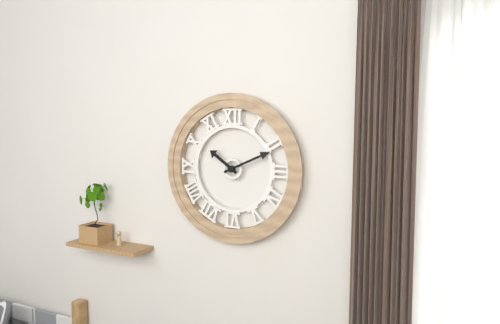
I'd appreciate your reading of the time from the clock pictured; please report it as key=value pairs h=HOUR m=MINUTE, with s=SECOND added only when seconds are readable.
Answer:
h=10 m=11
